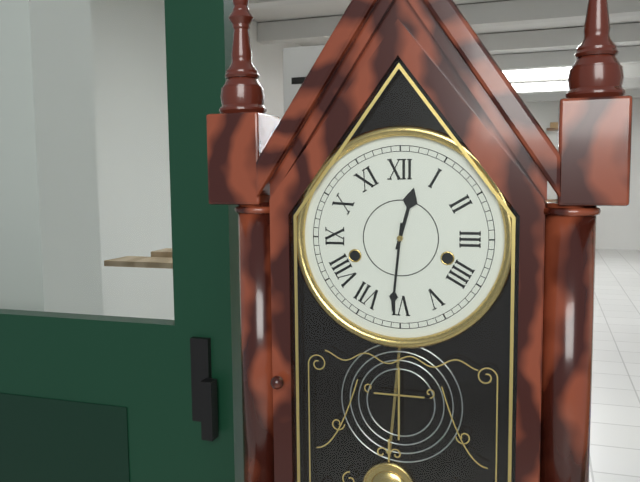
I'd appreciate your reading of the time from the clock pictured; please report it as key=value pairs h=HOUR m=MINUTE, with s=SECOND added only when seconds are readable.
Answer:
h=12 m=31
